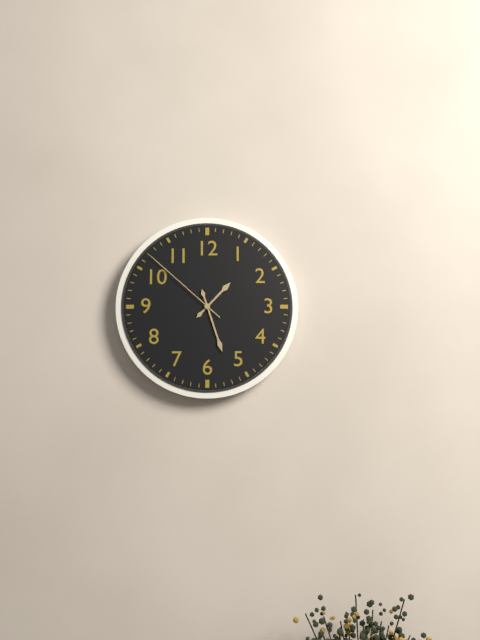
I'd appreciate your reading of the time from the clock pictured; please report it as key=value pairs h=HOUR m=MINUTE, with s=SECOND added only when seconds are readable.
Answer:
h=1 m=27 s=52
